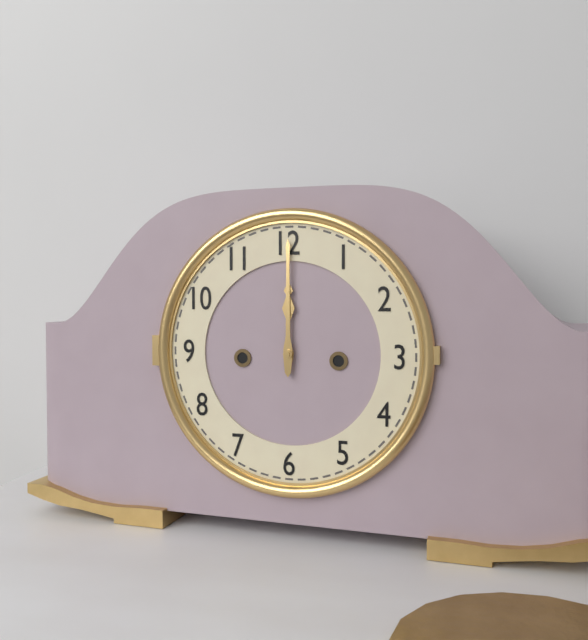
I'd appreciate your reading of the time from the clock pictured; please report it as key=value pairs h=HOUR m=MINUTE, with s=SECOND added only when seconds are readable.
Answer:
h=12 m=0
